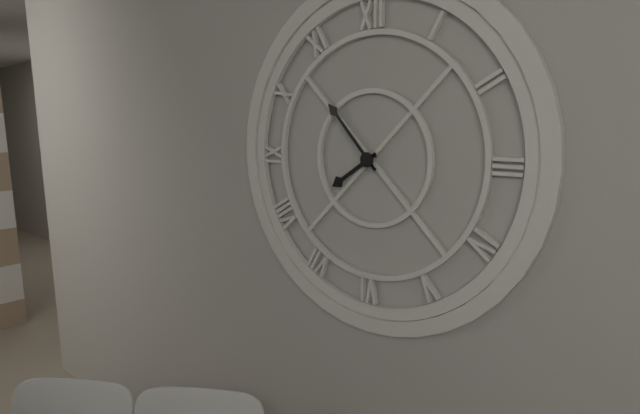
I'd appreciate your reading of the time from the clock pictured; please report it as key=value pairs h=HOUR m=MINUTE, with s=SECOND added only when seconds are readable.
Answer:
h=7 m=53
